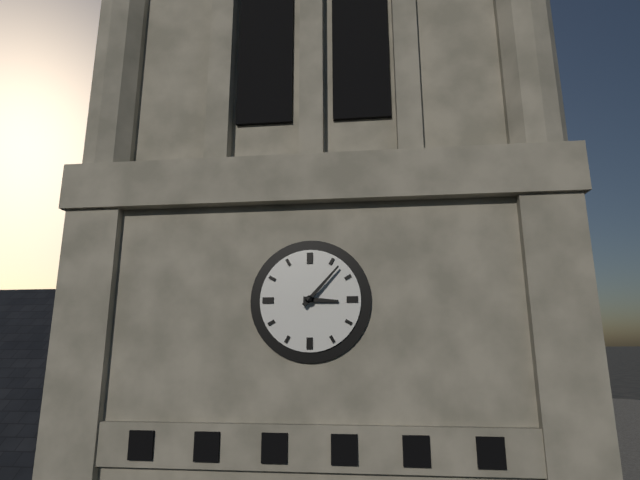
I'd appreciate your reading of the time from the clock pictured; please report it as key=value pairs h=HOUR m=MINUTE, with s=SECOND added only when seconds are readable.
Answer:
h=3 m=7
